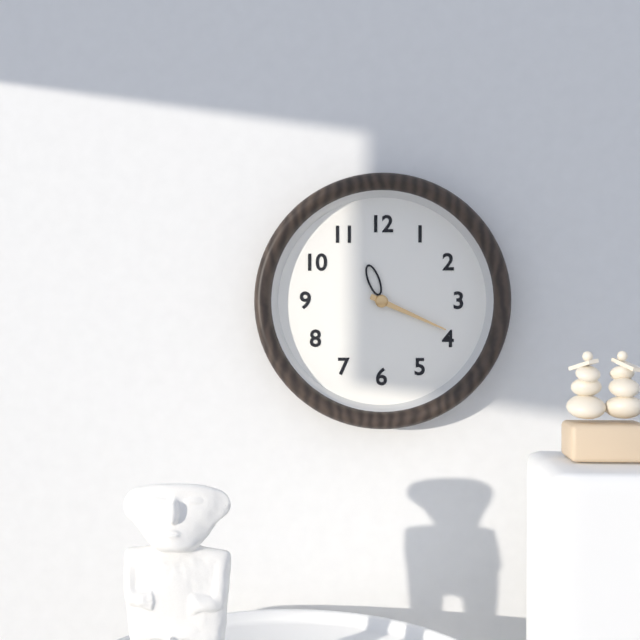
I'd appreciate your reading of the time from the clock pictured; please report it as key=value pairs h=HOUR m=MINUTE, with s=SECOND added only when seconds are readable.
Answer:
h=11 m=19
